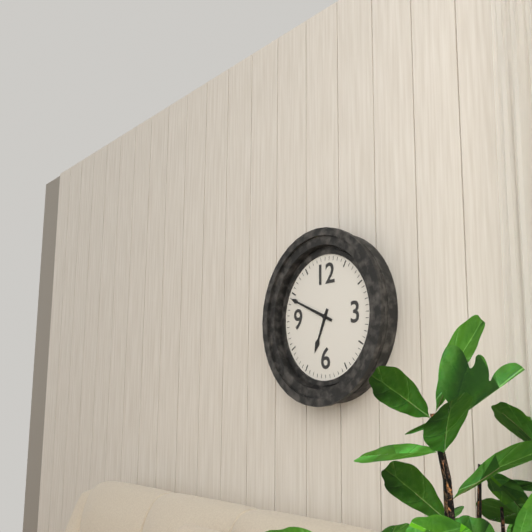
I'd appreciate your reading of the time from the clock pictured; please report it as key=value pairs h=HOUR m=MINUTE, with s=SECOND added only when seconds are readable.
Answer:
h=6 m=49
